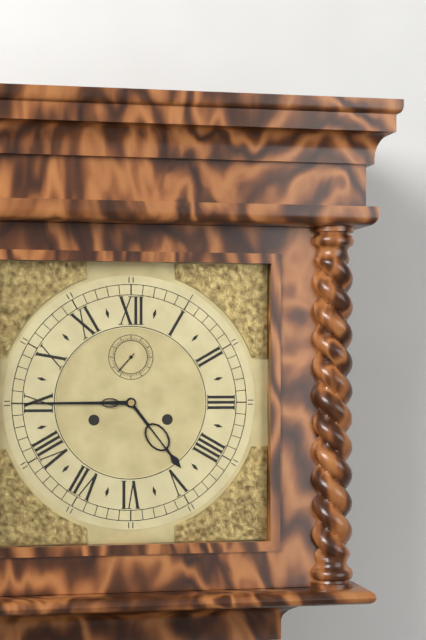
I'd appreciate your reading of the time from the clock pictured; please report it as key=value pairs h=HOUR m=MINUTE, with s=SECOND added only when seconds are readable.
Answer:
h=4 m=45
